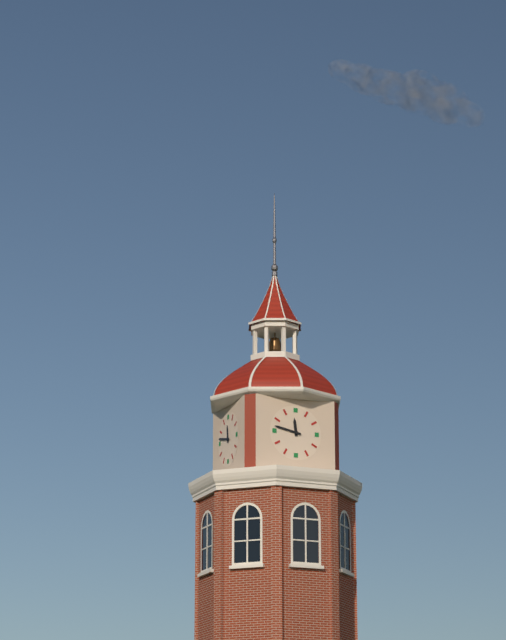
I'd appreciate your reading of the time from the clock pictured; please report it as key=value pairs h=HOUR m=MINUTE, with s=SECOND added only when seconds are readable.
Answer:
h=11 m=47
